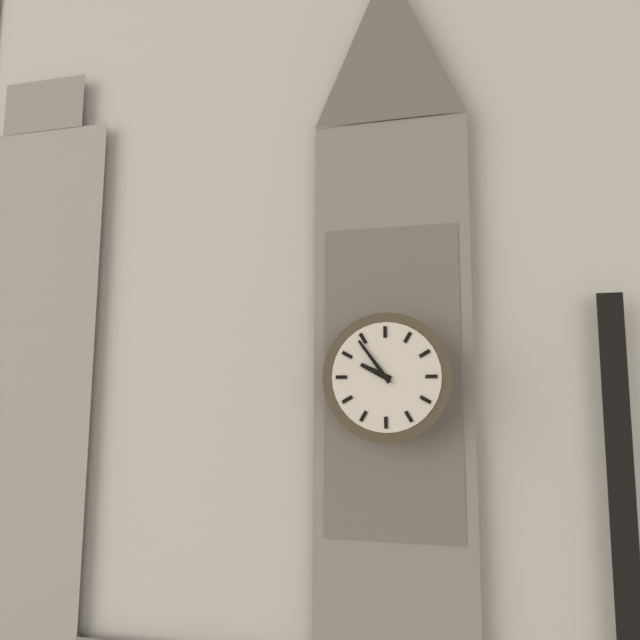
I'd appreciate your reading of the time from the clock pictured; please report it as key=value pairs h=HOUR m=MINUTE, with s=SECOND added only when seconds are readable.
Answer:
h=9 m=54
